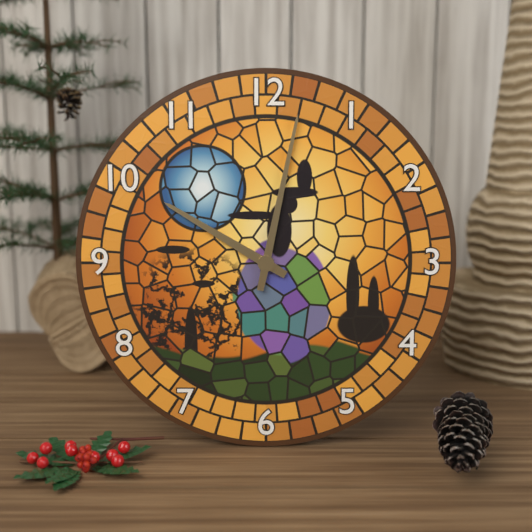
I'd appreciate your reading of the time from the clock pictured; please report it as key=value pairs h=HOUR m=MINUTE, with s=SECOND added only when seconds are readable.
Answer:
h=10 m=2
